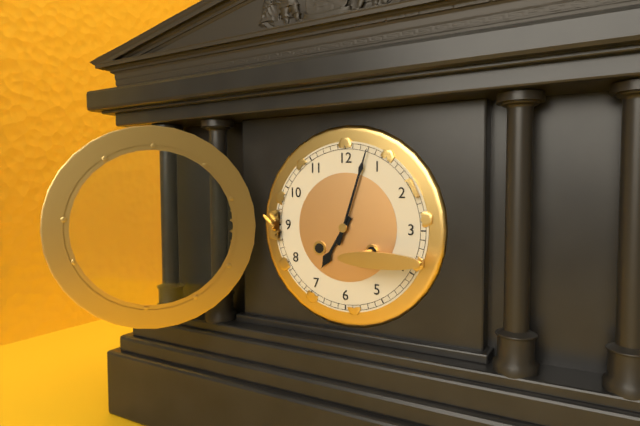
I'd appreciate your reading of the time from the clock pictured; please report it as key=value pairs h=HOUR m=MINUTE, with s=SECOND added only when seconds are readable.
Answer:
h=7 m=3
